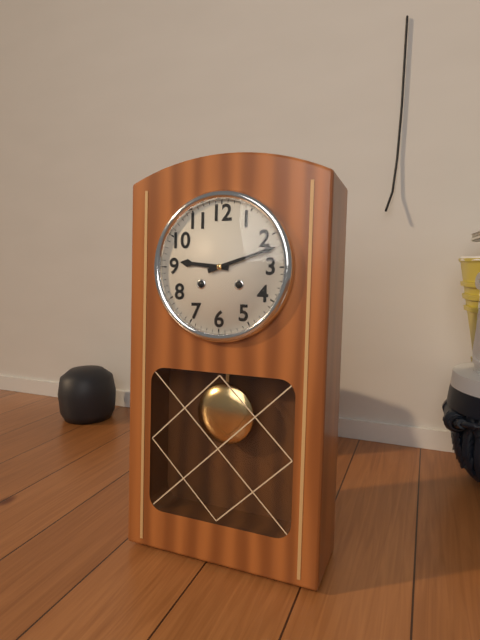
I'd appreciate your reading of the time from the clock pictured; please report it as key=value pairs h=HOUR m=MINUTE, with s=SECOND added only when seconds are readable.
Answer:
h=9 m=12
